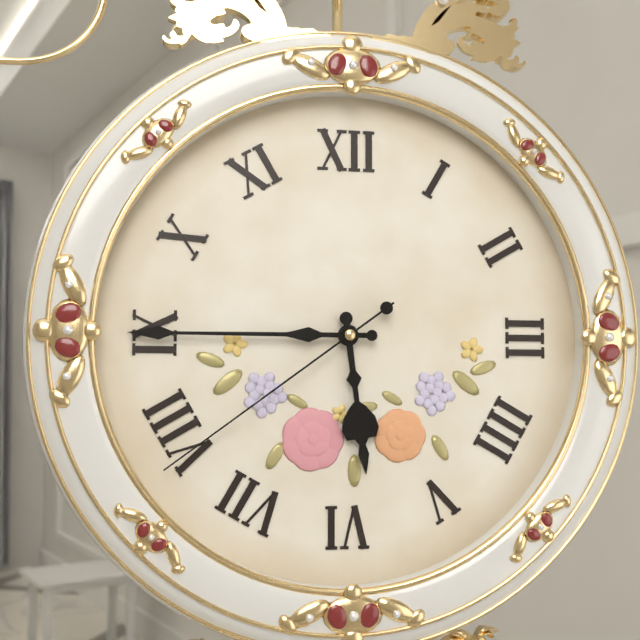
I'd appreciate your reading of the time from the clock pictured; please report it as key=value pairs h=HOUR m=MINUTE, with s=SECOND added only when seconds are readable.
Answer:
h=5 m=45 s=39
